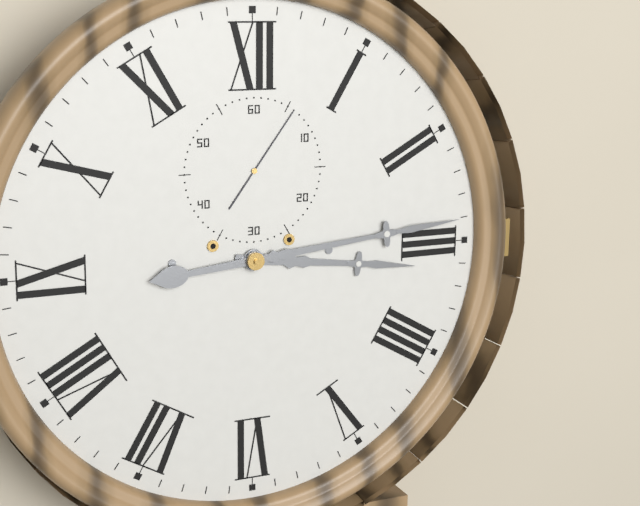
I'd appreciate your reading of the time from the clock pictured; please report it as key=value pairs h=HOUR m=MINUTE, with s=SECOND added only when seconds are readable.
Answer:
h=3 m=14 s=6
